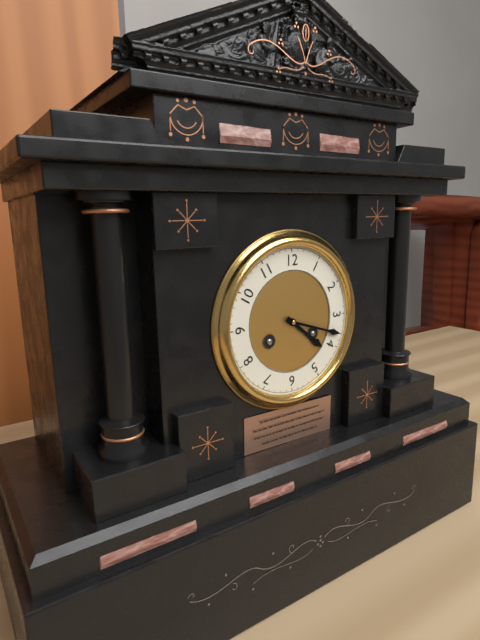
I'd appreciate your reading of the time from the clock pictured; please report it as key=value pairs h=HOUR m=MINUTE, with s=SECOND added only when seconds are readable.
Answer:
h=4 m=18
